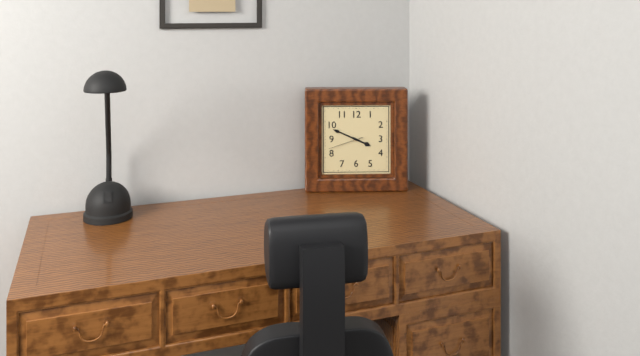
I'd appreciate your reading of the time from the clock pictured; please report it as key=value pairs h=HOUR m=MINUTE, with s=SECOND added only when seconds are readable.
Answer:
h=3 m=49
